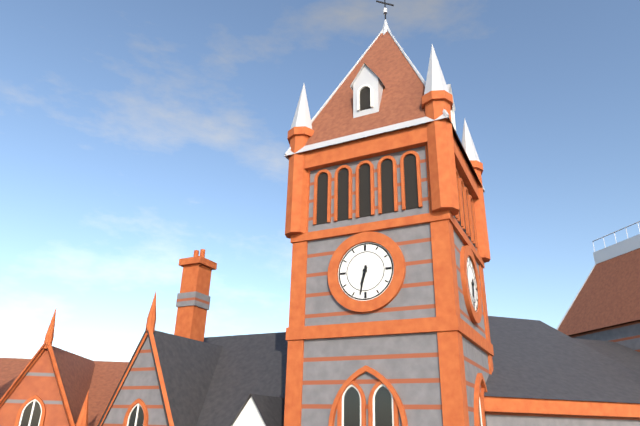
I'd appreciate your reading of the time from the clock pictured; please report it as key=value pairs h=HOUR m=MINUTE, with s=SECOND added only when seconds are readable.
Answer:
h=6 m=32
